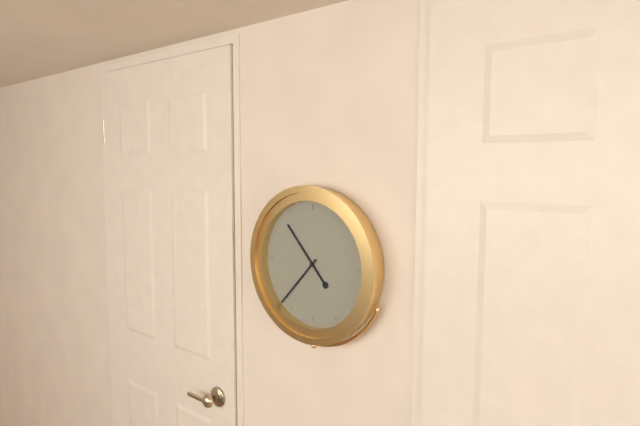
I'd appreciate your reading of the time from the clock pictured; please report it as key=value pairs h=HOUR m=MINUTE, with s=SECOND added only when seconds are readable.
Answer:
h=10 m=37
